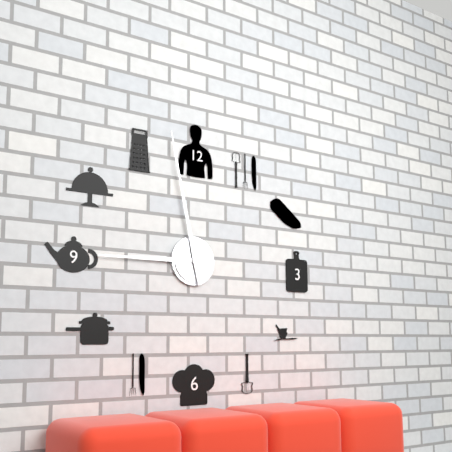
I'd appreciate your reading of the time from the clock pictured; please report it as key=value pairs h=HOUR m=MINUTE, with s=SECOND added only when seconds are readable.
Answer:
h=8 m=58
